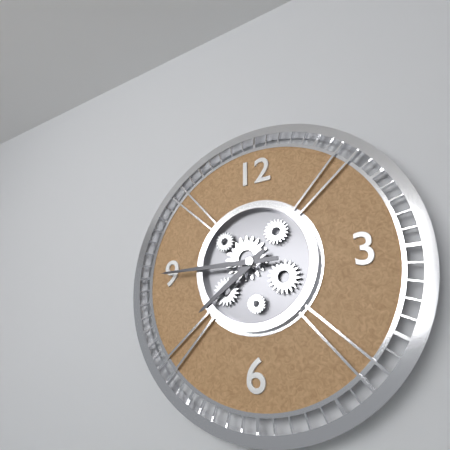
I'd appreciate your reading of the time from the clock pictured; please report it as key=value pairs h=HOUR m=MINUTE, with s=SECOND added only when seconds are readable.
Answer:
h=7 m=45
